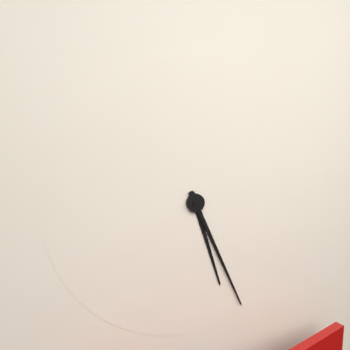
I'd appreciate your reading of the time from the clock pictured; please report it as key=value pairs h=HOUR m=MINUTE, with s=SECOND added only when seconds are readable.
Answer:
h=5 m=26
